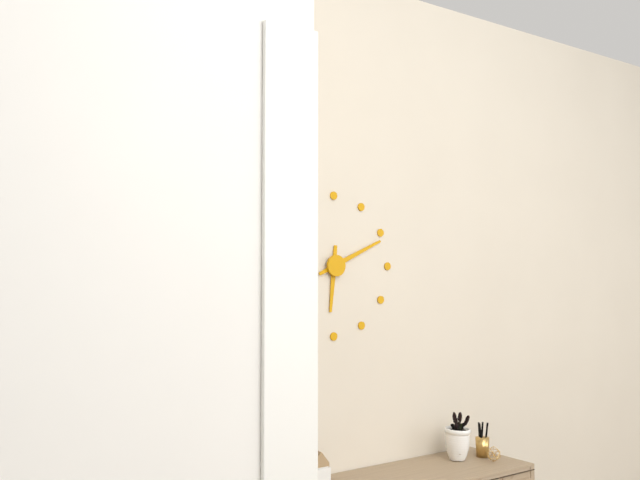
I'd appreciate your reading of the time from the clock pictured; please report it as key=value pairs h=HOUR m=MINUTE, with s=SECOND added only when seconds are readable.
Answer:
h=6 m=11
